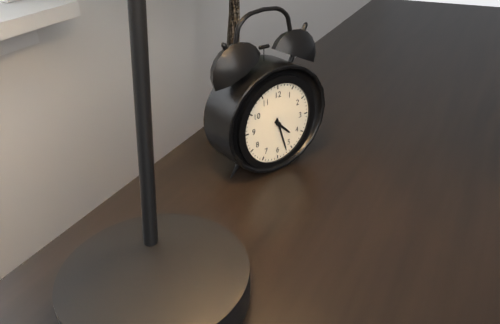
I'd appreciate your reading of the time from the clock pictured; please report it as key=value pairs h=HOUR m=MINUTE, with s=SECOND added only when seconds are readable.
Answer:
h=4 m=27
